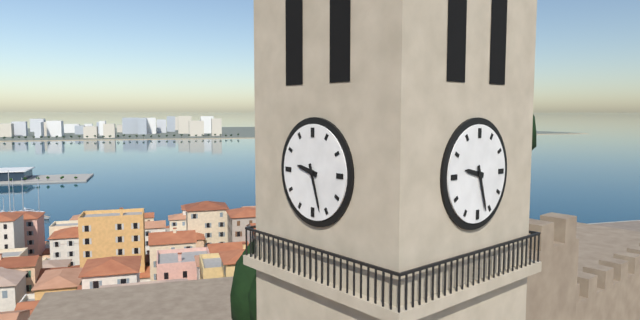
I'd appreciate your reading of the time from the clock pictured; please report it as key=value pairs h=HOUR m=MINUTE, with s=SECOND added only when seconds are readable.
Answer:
h=9 m=27
